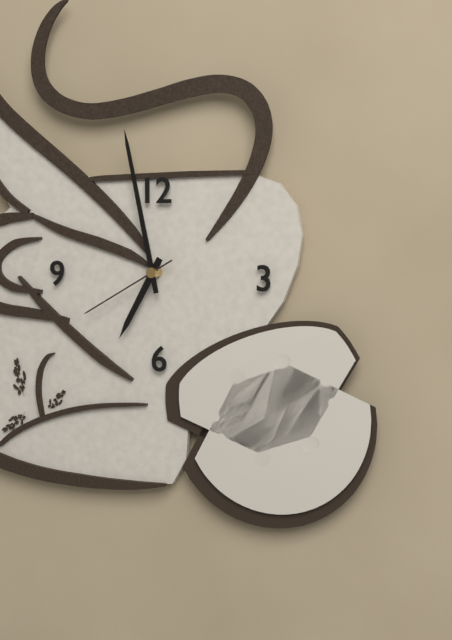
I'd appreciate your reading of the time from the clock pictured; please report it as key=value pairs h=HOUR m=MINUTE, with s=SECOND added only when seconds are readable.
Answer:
h=6 m=58 s=40
